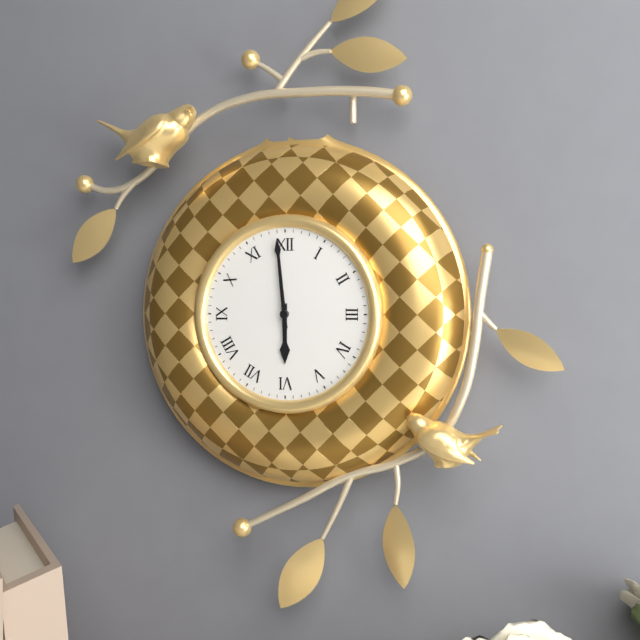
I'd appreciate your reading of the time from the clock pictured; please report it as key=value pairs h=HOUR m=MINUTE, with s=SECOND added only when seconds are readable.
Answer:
h=5 m=59
